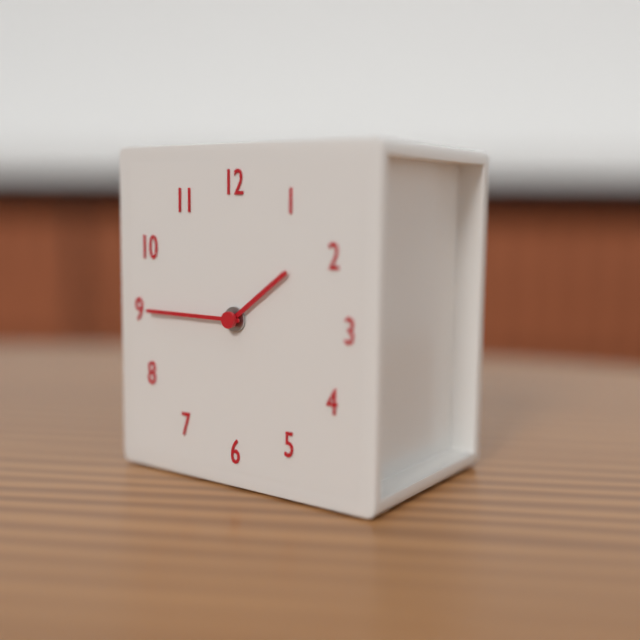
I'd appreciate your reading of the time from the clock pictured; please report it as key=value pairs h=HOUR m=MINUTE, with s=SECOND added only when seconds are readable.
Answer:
h=1 m=45
